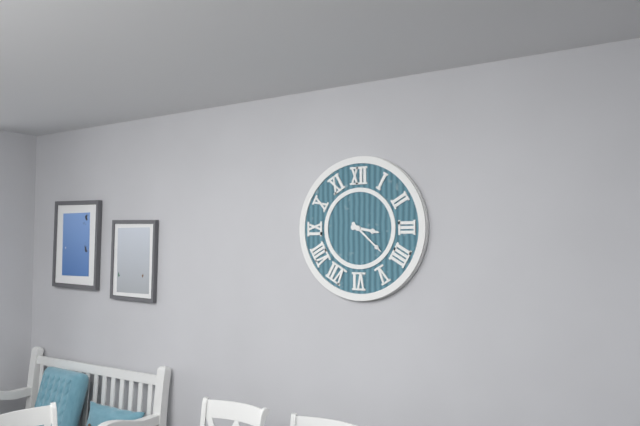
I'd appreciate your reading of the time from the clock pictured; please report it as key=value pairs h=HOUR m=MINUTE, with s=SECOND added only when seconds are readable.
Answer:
h=3 m=22
